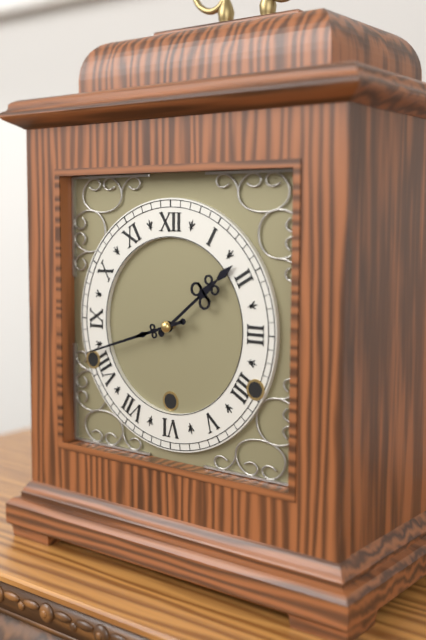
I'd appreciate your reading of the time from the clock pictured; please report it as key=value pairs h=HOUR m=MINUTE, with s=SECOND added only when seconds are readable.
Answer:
h=1 m=42
